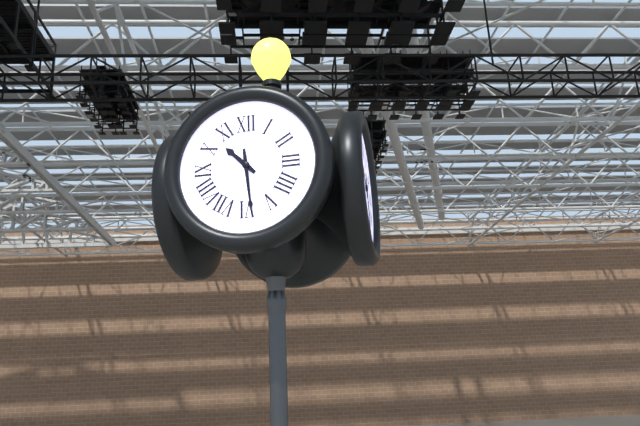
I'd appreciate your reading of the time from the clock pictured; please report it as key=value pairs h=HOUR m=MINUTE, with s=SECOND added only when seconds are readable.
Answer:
h=10 m=29
